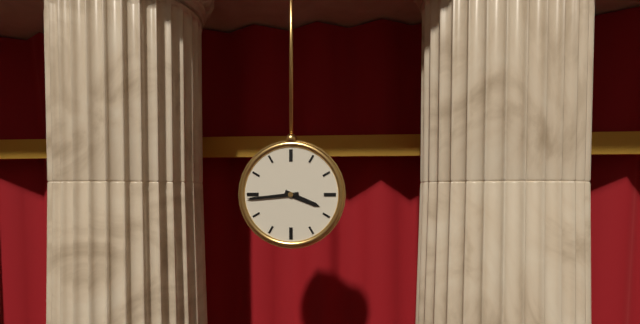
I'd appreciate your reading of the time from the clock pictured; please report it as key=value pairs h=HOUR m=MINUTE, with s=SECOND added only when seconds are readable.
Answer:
h=3 m=44
